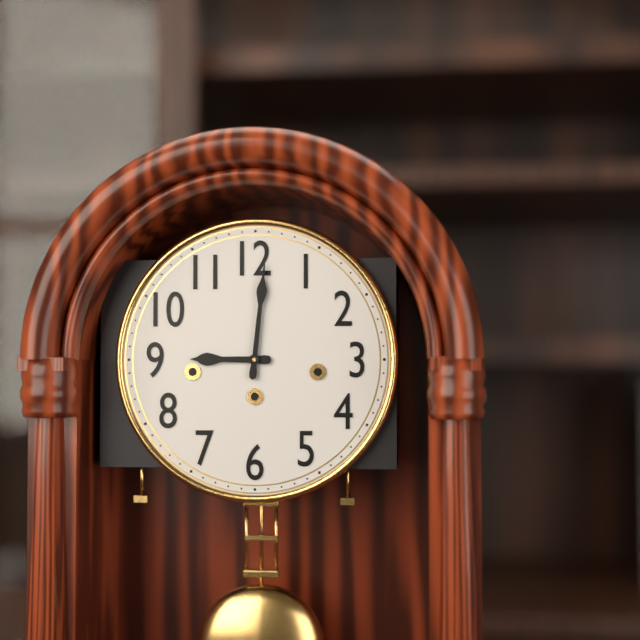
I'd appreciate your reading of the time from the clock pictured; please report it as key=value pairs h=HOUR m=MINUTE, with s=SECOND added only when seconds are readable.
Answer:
h=9 m=1
